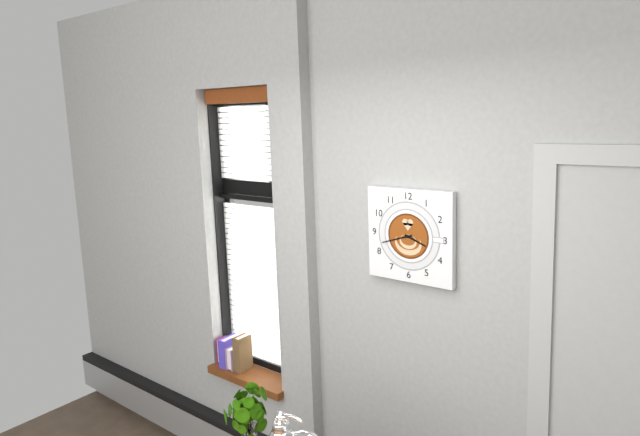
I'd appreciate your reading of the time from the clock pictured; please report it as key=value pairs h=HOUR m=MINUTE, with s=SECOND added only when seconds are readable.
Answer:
h=3 m=42
